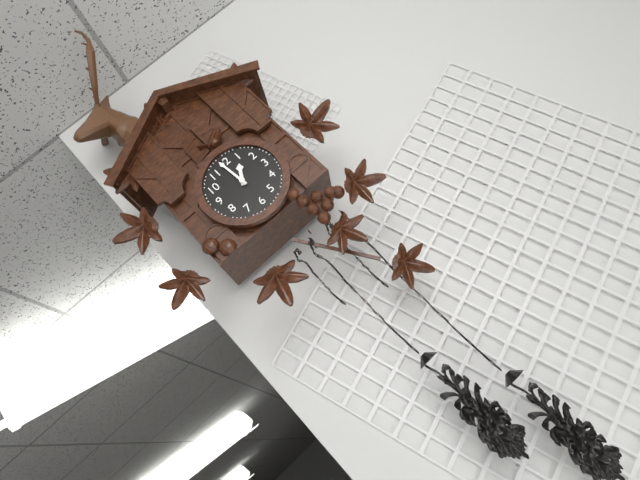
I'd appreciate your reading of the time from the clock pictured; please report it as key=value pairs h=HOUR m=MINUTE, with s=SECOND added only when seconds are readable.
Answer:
h=12 m=59
